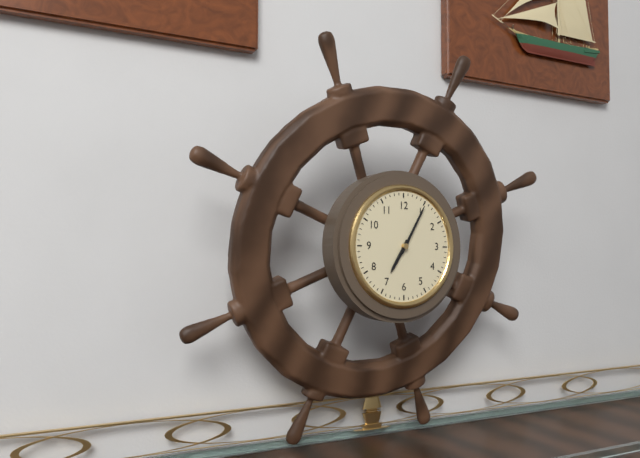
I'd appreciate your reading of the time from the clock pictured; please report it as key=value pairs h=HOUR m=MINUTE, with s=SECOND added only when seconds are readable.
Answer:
h=7 m=5
